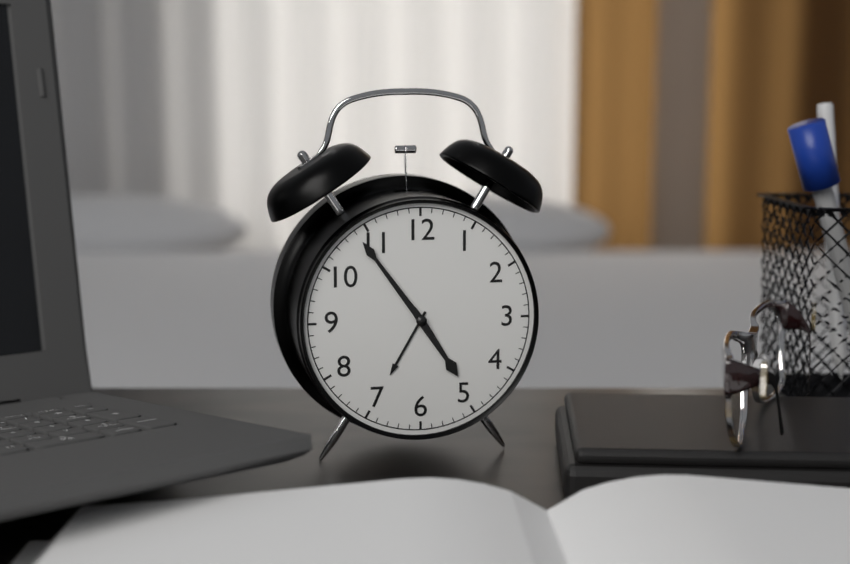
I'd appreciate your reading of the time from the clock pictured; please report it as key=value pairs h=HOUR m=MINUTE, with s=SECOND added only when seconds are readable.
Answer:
h=4 m=54
